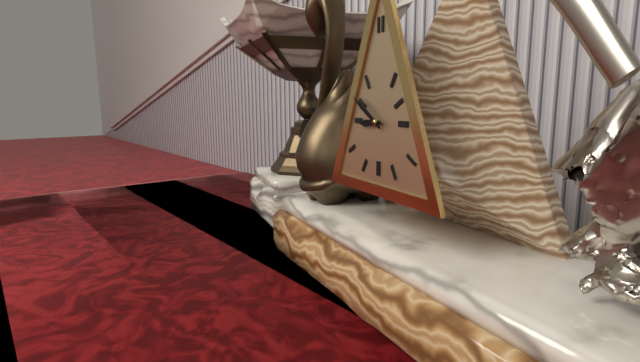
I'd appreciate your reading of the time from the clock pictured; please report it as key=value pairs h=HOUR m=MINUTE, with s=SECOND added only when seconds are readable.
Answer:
h=8 m=50
